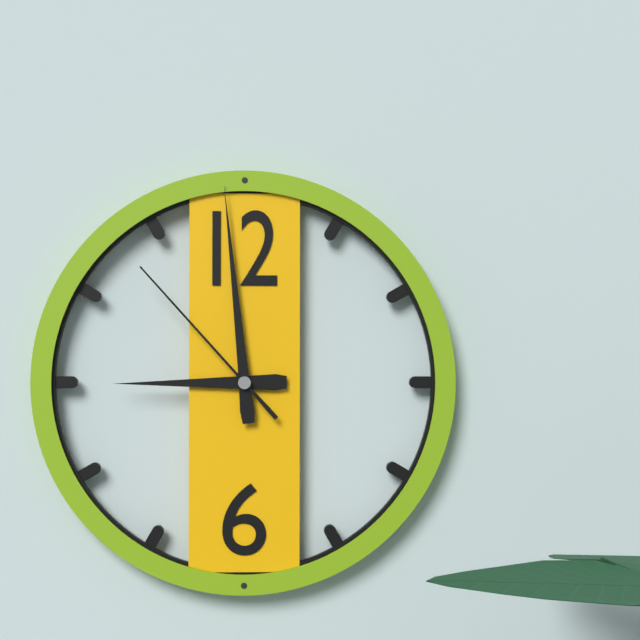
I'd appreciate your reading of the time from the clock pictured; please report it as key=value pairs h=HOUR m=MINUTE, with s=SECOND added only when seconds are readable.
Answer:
h=8 m=59 s=53
